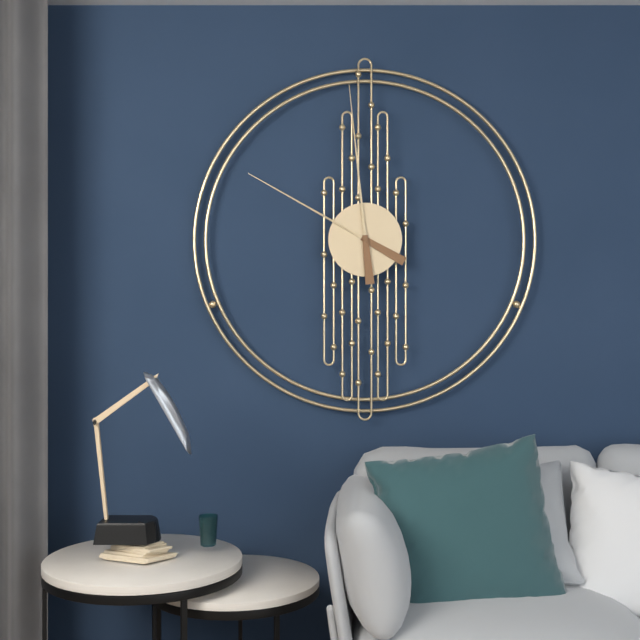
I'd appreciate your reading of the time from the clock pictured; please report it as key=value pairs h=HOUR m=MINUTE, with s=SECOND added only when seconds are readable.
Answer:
h=9 m=59
